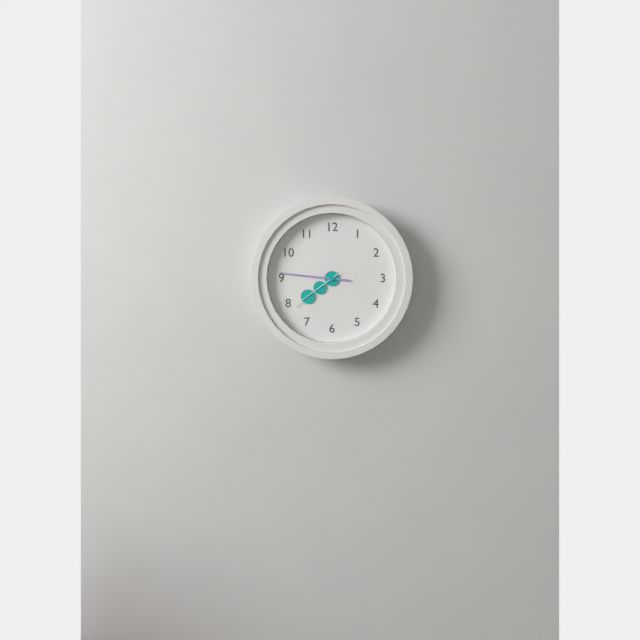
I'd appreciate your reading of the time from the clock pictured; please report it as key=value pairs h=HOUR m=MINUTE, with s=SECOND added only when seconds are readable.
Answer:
h=7 m=46 s=39
